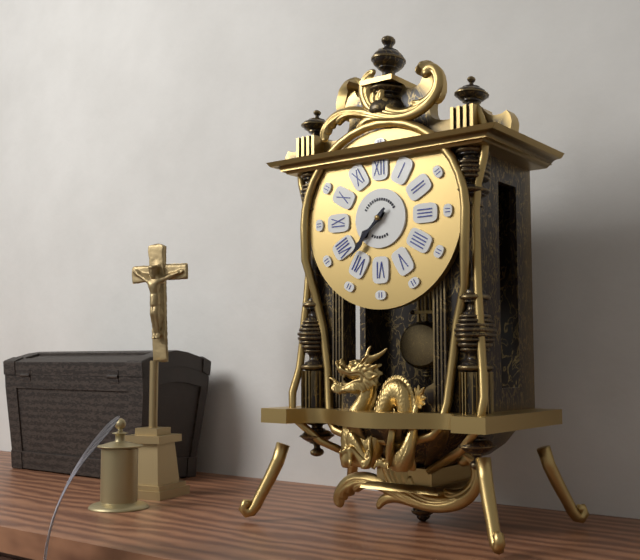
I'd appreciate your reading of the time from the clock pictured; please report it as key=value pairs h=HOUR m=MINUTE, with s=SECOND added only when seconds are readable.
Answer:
h=7 m=37
